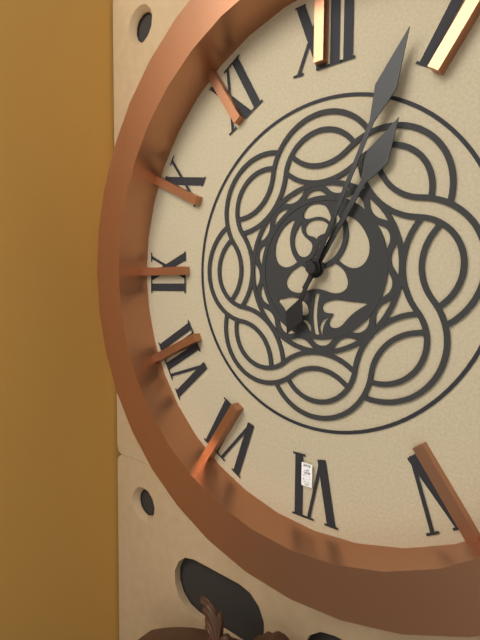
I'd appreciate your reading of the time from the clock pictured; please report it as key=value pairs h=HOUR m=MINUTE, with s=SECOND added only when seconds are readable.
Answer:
h=1 m=4
